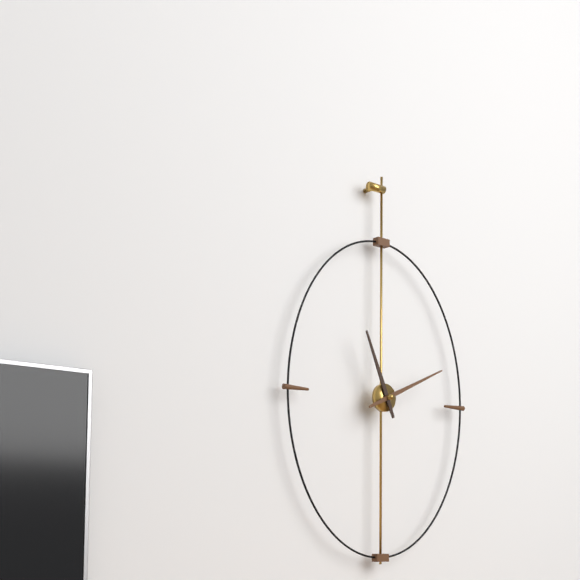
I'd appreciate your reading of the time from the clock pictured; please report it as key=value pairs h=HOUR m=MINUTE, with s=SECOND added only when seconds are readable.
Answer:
h=11 m=11
